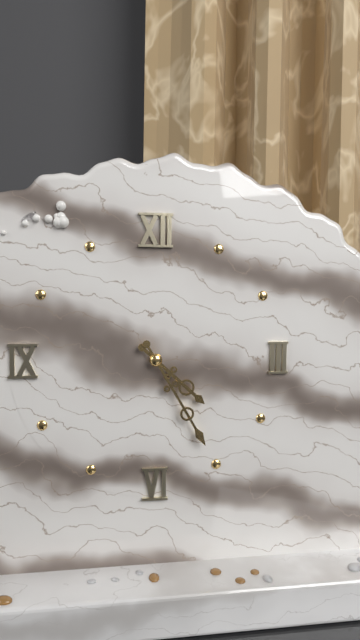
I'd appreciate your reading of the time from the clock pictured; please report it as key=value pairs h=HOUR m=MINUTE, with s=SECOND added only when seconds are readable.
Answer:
h=4 m=25
